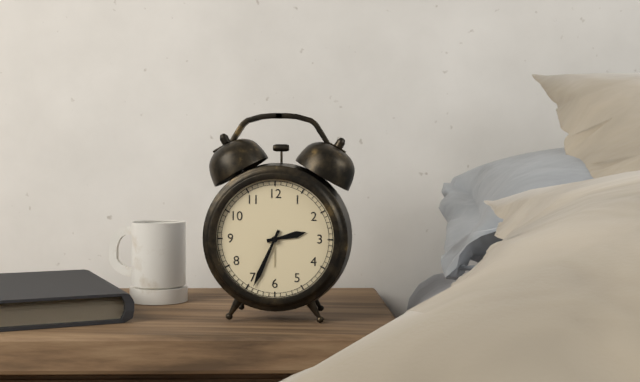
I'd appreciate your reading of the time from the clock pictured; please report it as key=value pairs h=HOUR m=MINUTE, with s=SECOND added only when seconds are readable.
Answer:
h=2 m=34
